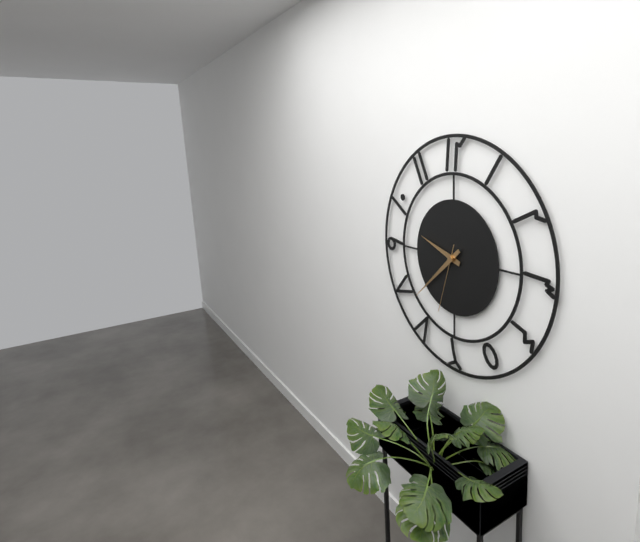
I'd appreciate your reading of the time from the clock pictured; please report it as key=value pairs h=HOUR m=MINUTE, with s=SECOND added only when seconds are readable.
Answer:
h=9 m=38 s=33
